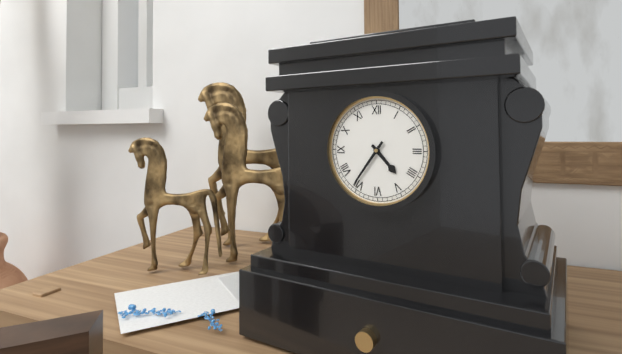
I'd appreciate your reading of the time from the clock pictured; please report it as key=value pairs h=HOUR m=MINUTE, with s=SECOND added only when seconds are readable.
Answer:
h=4 m=36
